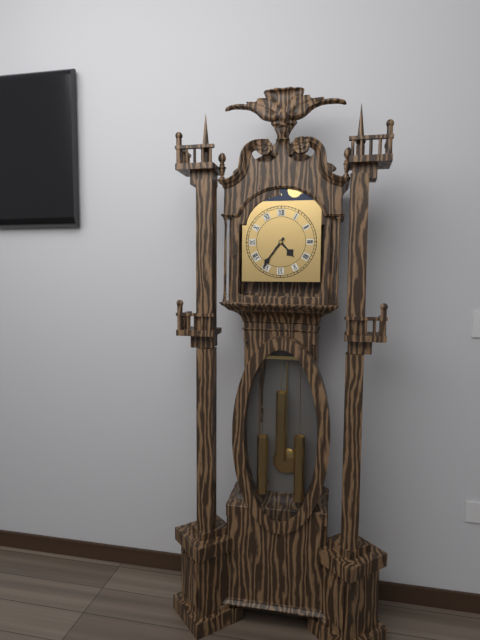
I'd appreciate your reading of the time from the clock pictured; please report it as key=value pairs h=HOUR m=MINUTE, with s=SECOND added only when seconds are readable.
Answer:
h=4 m=36
